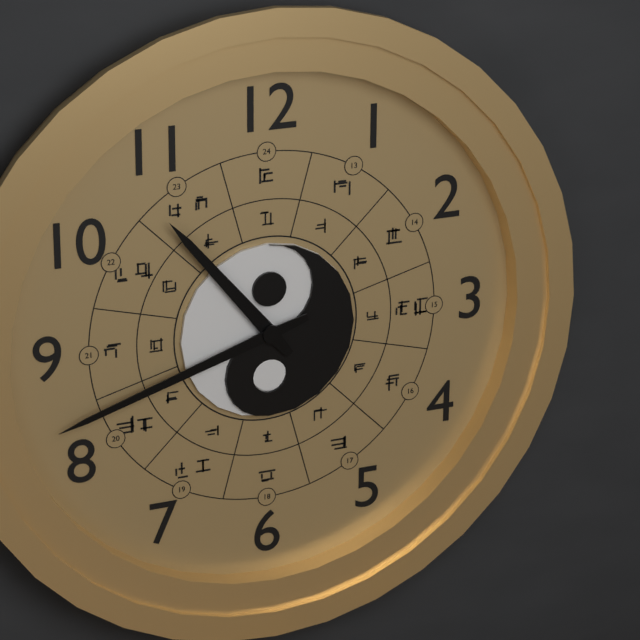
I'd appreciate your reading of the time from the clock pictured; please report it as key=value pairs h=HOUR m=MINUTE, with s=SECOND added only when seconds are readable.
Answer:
h=10 m=42
